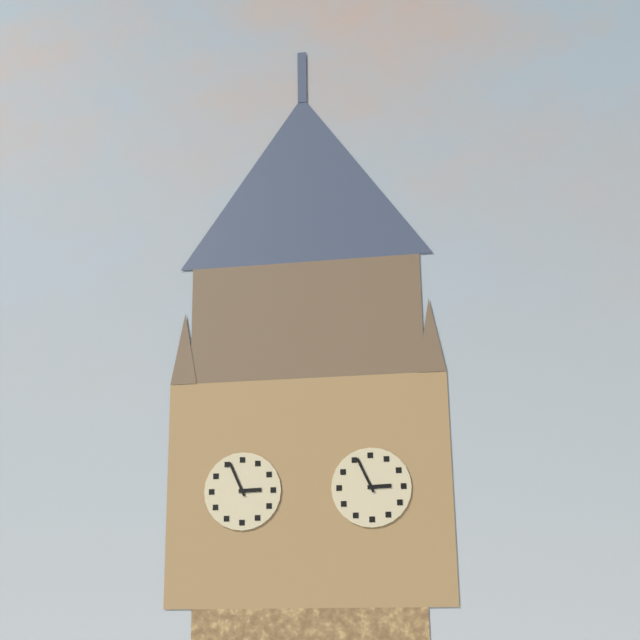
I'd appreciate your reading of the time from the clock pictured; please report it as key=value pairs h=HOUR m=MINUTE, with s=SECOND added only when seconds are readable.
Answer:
h=2 m=56
